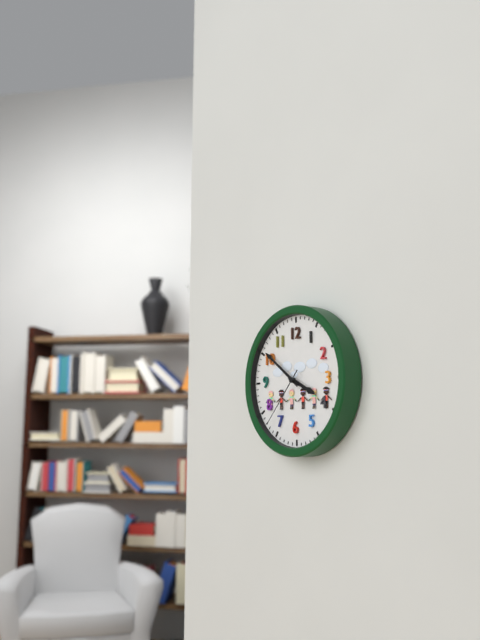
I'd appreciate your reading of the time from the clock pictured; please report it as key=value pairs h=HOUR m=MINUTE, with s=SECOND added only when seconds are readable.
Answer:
h=3 m=51 s=37
